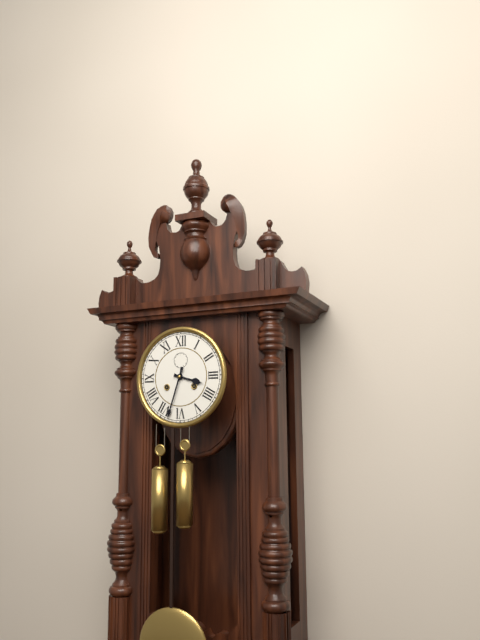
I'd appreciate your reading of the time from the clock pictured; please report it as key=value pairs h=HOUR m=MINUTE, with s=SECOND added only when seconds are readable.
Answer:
h=3 m=33
